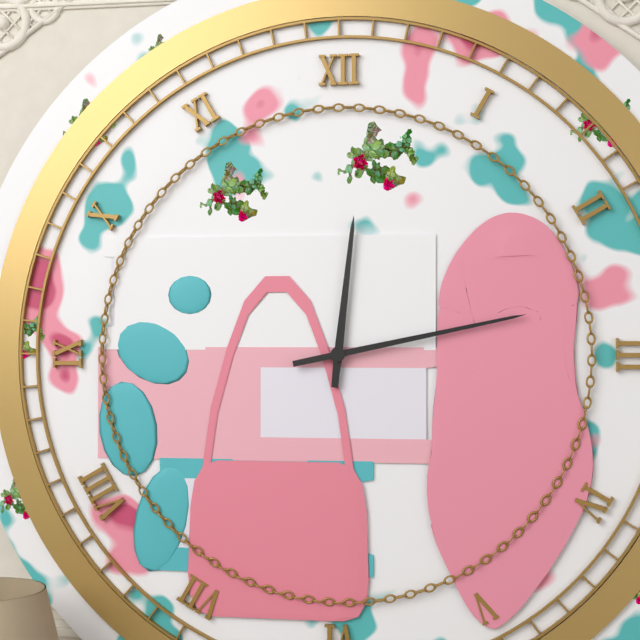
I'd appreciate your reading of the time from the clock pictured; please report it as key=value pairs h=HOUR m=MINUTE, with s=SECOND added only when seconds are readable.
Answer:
h=12 m=13
